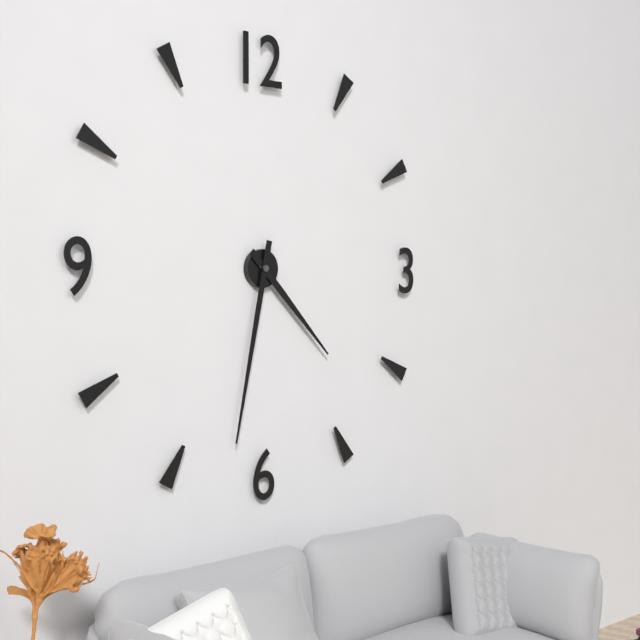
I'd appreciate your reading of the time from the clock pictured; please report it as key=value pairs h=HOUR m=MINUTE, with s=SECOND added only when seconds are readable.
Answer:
h=4 m=32
